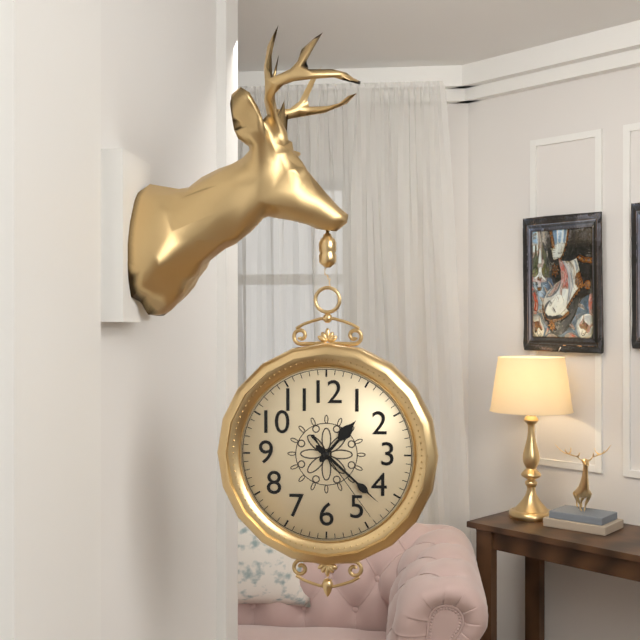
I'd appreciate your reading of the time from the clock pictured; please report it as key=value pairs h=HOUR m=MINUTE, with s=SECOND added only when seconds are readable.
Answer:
h=1 m=22 s=24
